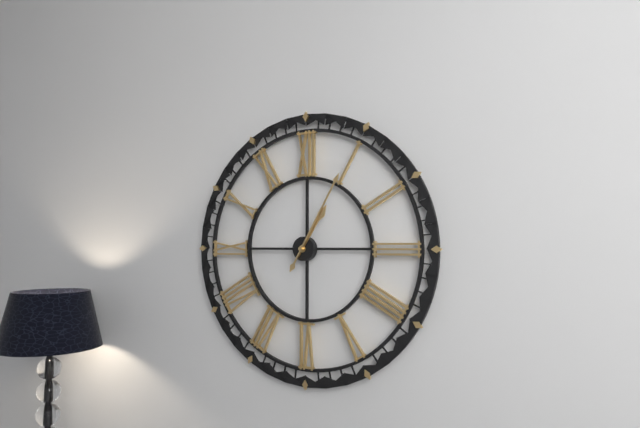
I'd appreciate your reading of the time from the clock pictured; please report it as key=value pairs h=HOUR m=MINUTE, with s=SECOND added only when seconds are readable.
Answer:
h=1 m=5
